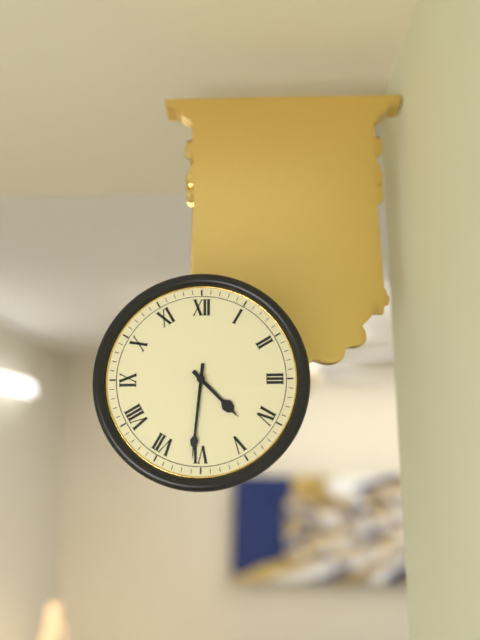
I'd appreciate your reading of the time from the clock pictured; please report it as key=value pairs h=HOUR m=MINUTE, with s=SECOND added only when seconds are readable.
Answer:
h=4 m=31
